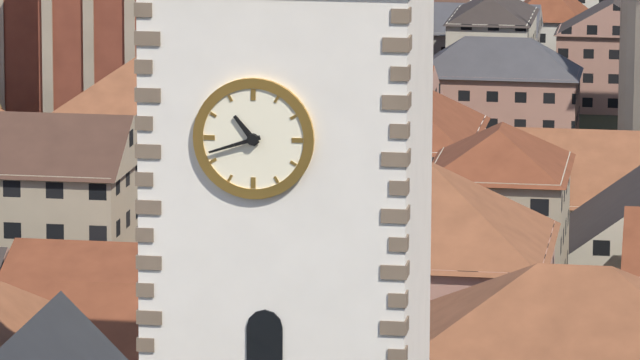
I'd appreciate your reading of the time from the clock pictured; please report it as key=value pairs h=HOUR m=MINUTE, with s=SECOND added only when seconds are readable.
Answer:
h=10 m=42
